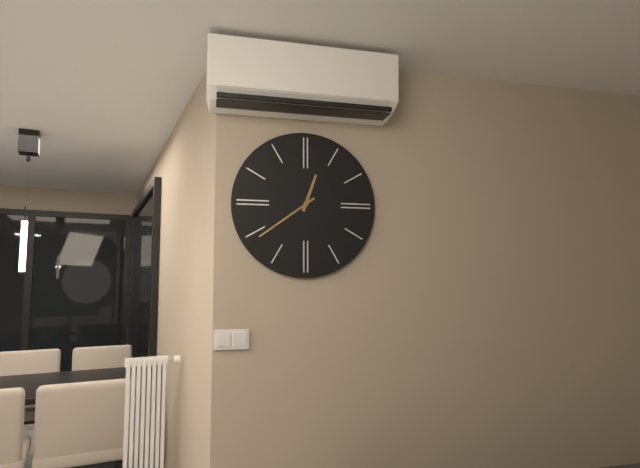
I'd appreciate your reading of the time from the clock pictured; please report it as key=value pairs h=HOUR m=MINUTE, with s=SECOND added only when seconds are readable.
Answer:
h=12 m=39
